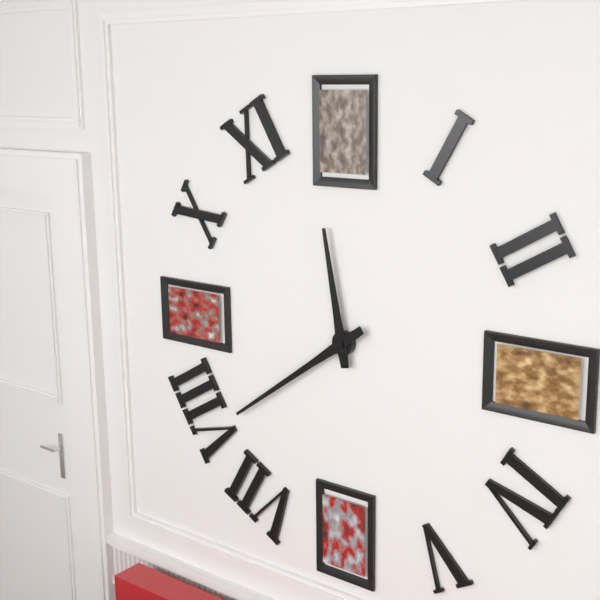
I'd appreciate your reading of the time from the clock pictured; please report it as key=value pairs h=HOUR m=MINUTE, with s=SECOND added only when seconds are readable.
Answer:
h=11 m=39
